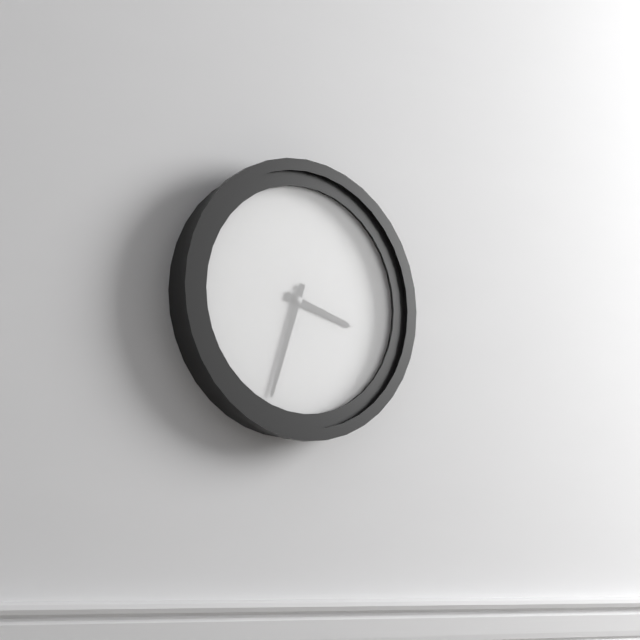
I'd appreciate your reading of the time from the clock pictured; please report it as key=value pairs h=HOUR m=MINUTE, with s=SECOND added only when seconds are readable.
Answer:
h=3 m=33
